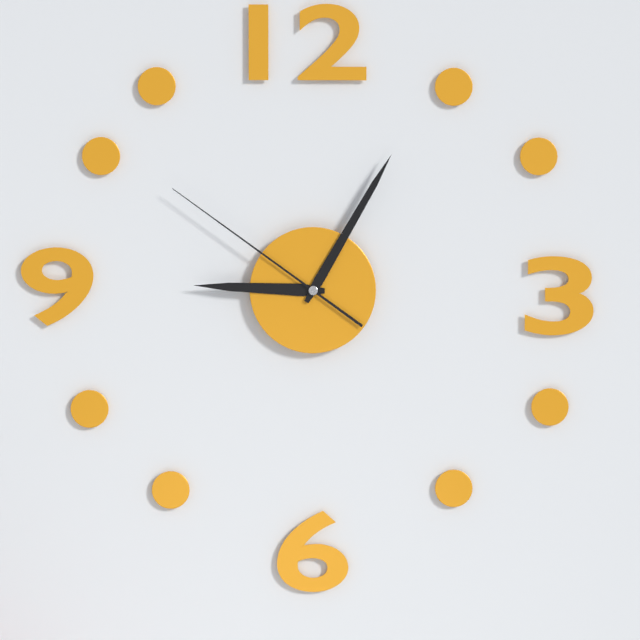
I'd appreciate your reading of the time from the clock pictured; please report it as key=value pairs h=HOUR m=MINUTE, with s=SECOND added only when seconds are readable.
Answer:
h=9 m=5 s=51
